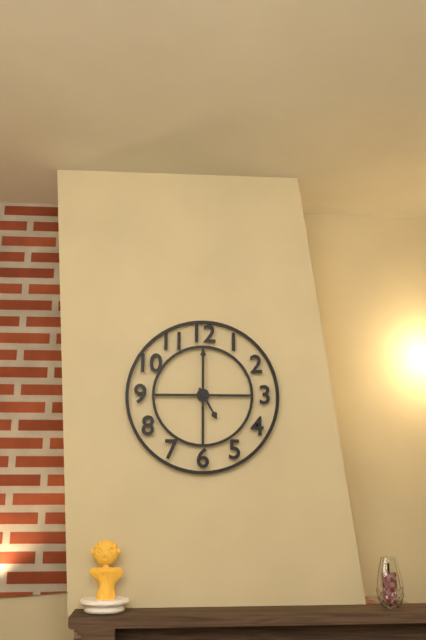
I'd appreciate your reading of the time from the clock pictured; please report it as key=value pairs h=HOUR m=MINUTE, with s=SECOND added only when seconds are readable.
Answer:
h=5 m=0
